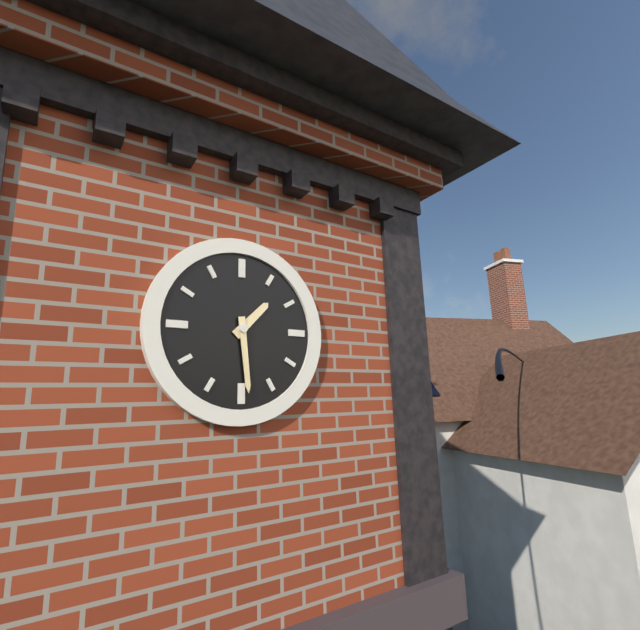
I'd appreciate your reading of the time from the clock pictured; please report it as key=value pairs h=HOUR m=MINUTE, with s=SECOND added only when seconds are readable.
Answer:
h=1 m=29
